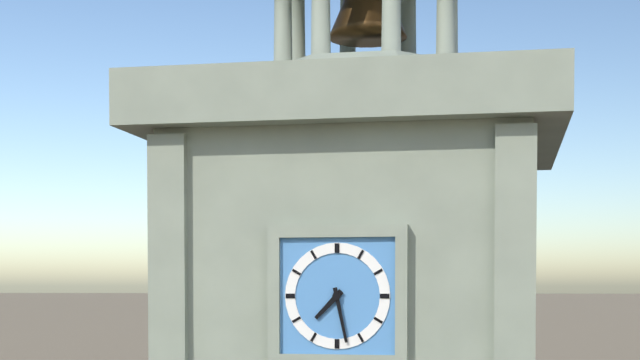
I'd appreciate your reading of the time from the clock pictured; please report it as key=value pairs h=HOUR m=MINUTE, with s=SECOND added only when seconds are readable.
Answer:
h=7 m=28
